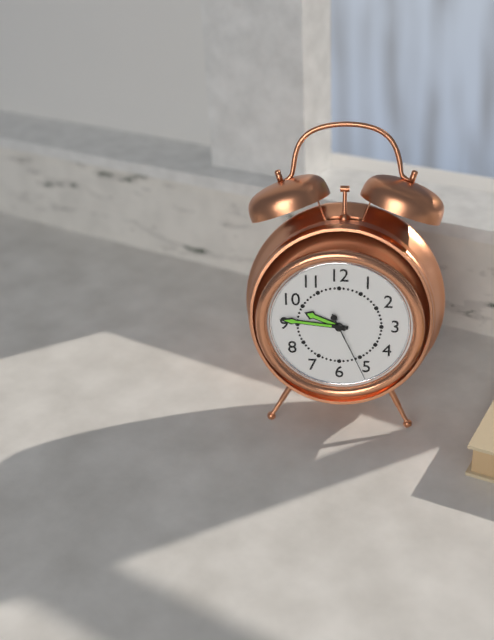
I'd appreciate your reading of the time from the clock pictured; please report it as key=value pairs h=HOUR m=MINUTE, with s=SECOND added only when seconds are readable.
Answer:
h=9 m=46 s=26
